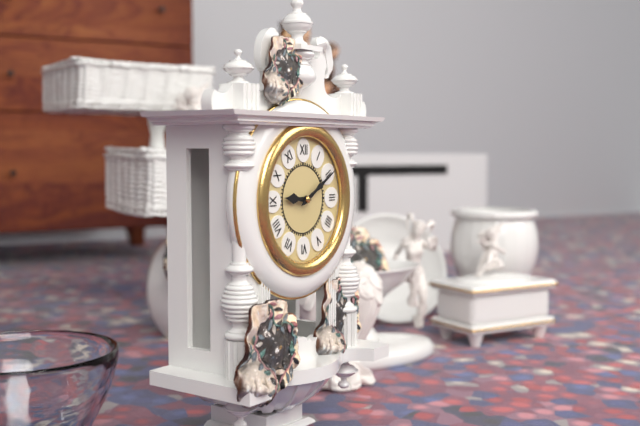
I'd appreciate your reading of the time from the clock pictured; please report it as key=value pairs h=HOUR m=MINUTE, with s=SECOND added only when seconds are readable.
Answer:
h=9 m=10
